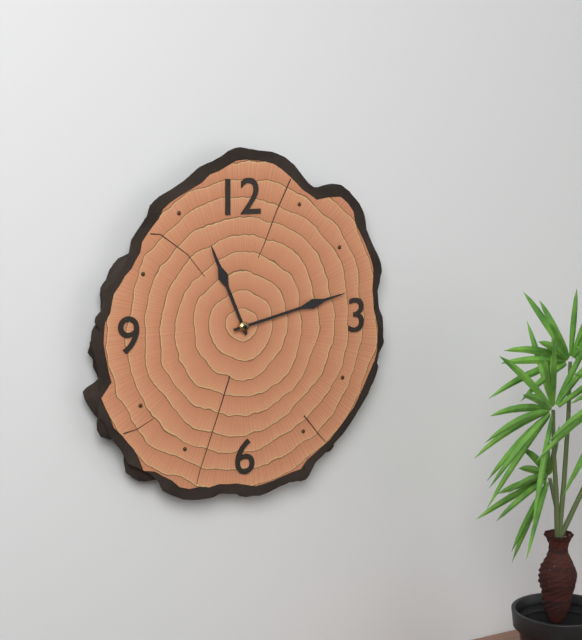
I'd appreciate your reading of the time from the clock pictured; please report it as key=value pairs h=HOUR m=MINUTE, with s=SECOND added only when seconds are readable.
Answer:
h=11 m=13
